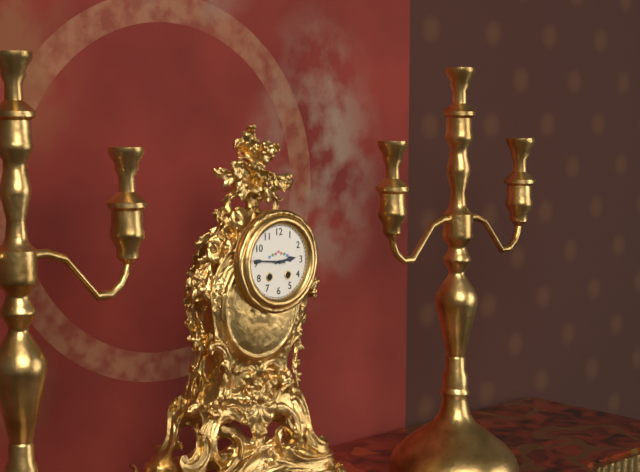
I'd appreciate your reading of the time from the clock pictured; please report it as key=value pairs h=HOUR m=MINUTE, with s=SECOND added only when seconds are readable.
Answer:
h=2 m=46
